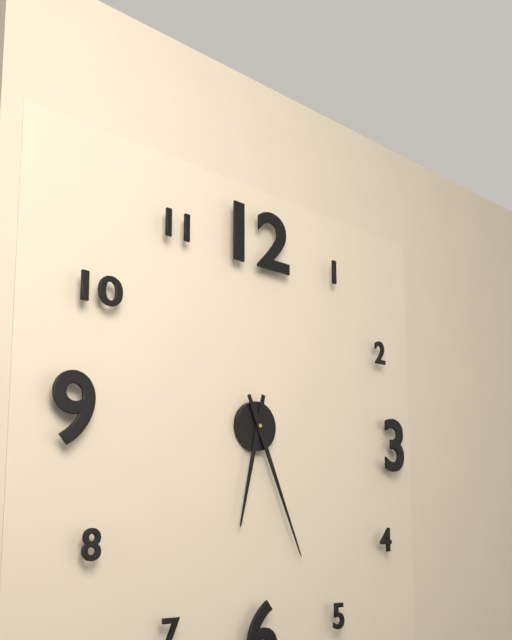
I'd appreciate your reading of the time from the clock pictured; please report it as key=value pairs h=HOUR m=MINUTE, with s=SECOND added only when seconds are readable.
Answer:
h=6 m=26
